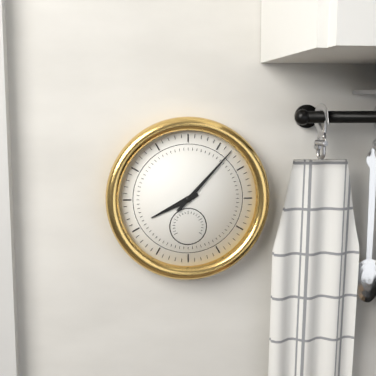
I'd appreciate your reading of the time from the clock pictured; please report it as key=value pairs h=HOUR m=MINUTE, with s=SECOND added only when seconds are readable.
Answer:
h=8 m=7
